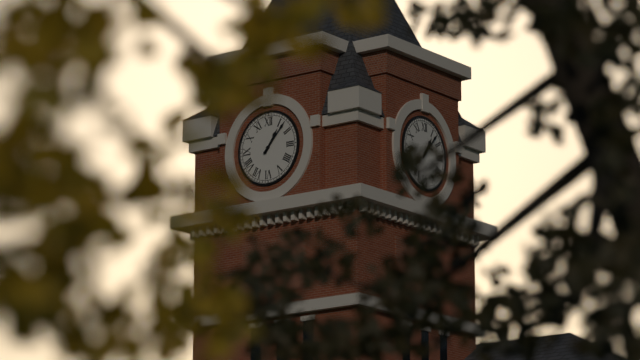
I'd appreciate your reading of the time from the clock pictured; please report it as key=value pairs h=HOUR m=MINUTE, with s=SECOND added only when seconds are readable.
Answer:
h=1 m=7
